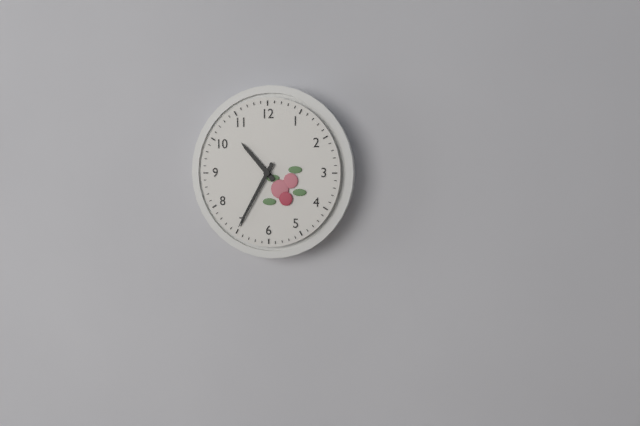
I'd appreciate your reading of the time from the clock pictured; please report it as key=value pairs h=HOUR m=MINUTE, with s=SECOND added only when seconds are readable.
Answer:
h=10 m=35
